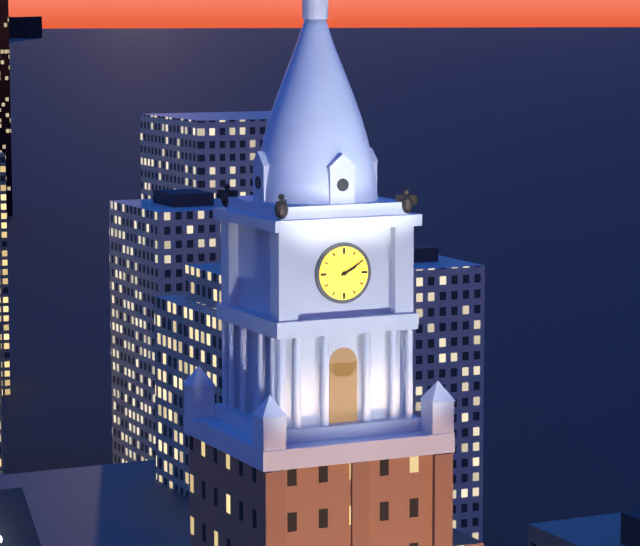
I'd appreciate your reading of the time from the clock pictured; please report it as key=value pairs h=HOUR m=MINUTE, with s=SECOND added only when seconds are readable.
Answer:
h=2 m=10
